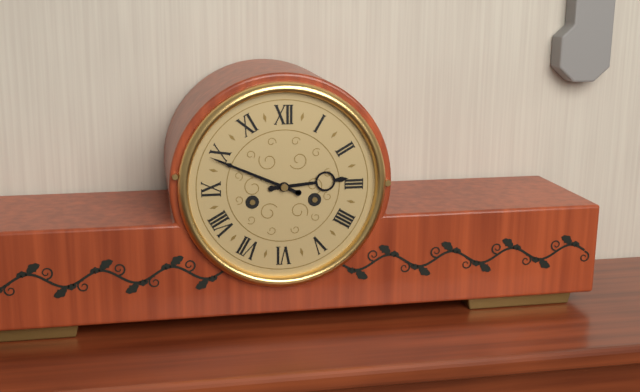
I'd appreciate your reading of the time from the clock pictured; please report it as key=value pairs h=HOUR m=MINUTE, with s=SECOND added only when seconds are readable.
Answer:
h=2 m=49
